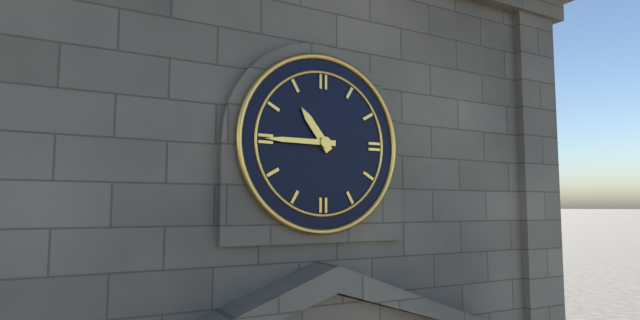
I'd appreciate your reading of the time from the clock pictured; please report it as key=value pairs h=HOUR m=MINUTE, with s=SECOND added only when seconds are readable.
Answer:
h=10 m=45
